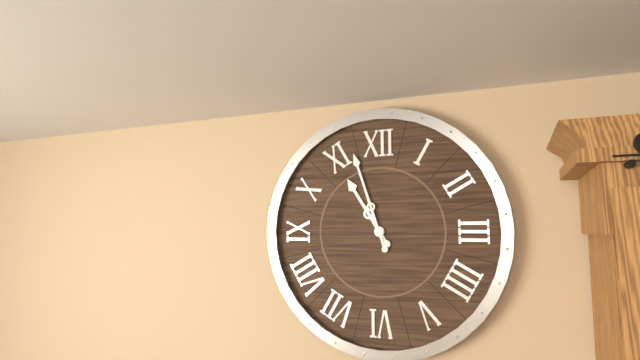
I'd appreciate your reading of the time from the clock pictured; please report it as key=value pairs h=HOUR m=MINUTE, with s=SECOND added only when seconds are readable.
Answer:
h=10 m=57
